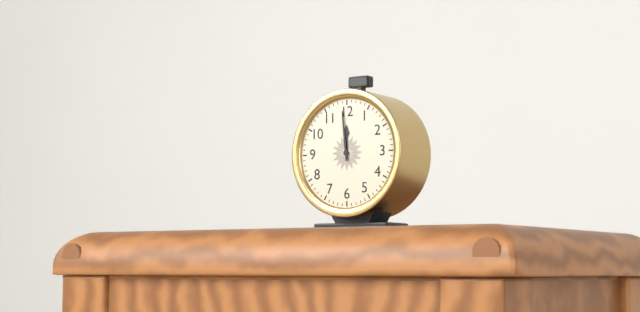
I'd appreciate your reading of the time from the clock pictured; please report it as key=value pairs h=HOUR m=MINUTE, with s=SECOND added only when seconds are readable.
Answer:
h=11 m=59
